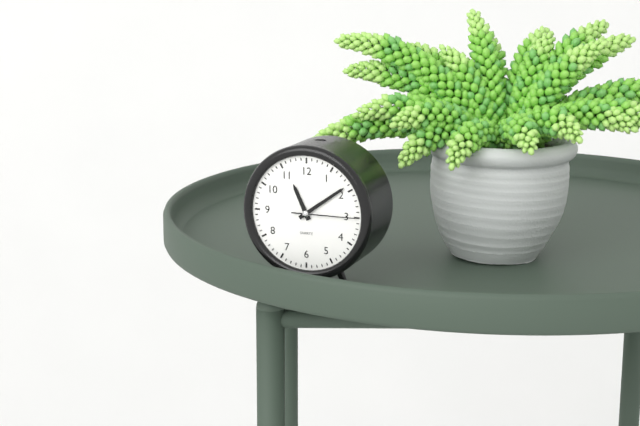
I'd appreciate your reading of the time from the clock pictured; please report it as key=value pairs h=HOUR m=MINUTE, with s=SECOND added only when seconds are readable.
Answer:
h=11 m=9 s=15
